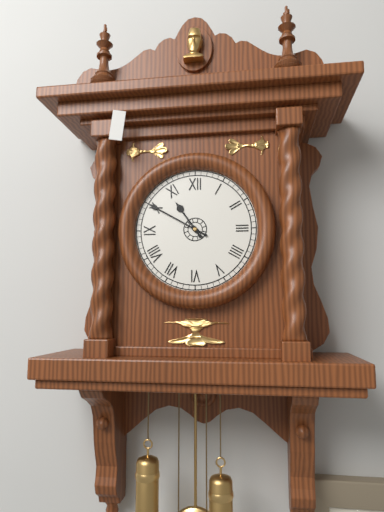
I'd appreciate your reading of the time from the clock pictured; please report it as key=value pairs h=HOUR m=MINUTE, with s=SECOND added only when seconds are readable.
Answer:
h=10 m=50
